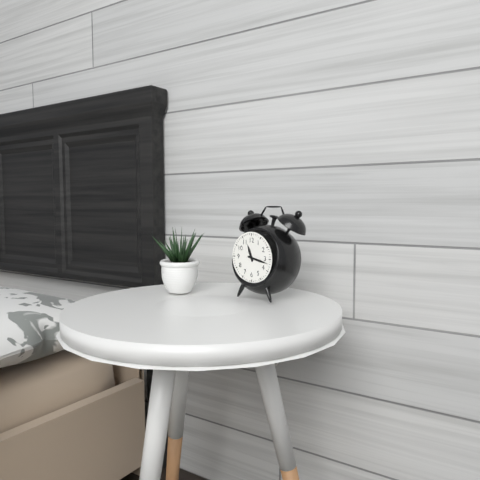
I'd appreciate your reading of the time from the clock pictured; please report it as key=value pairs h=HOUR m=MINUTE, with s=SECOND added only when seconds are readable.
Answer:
h=11 m=17
